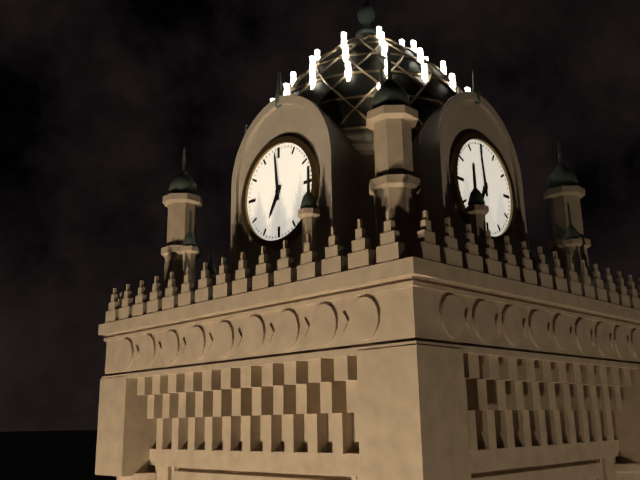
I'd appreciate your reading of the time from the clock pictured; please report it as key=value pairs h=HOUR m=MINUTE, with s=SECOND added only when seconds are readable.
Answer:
h=6 m=59
